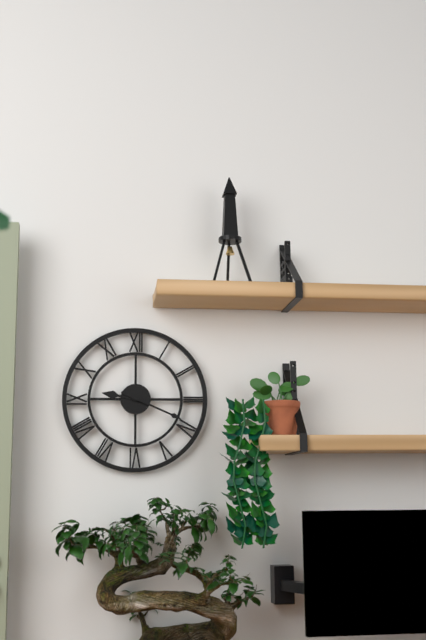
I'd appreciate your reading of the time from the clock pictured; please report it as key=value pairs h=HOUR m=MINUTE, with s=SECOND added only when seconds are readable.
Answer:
h=9 m=19
